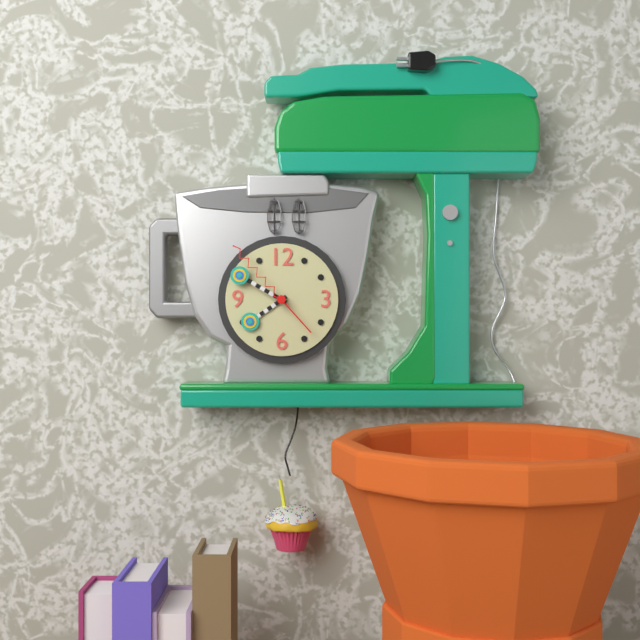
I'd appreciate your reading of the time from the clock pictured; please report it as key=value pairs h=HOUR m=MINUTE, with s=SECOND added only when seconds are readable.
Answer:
h=7 m=50 s=53
